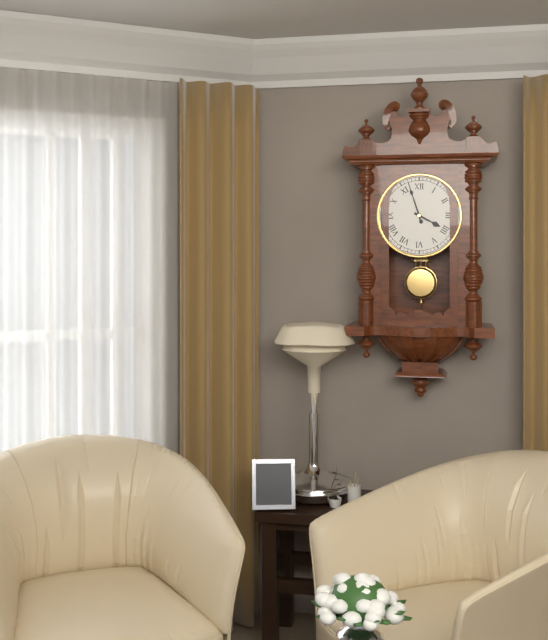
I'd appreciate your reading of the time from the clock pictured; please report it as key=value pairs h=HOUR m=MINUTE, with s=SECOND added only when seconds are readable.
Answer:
h=3 m=57
